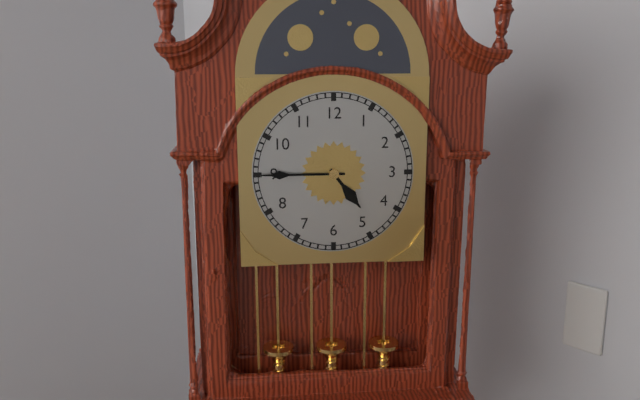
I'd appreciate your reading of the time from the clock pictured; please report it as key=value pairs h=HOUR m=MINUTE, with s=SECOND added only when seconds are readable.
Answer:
h=4 m=45
